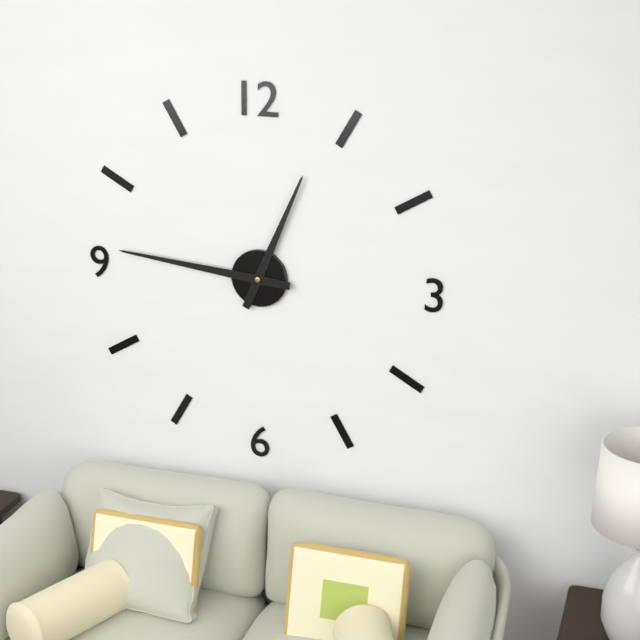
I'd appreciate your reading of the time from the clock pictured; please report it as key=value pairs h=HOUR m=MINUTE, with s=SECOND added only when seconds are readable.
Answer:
h=12 m=46
